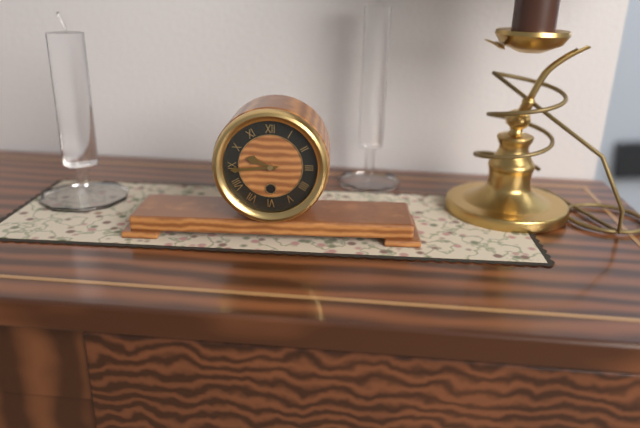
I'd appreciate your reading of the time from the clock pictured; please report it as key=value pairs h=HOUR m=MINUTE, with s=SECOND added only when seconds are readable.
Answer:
h=9 m=44
